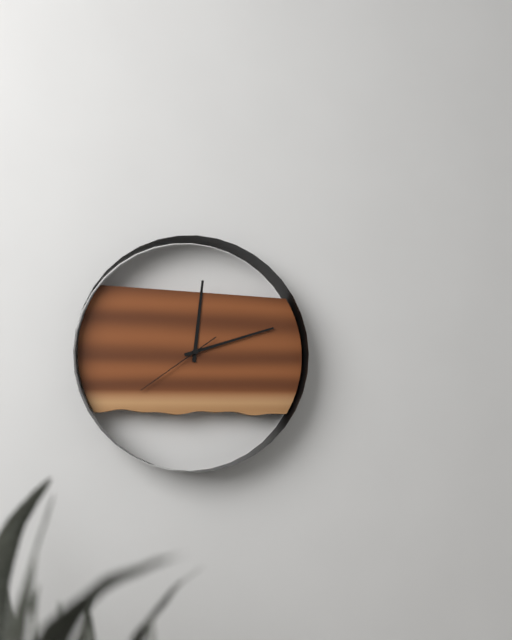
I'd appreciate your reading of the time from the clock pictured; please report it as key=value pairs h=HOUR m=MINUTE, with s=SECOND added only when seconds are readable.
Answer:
h=12 m=12 s=39
